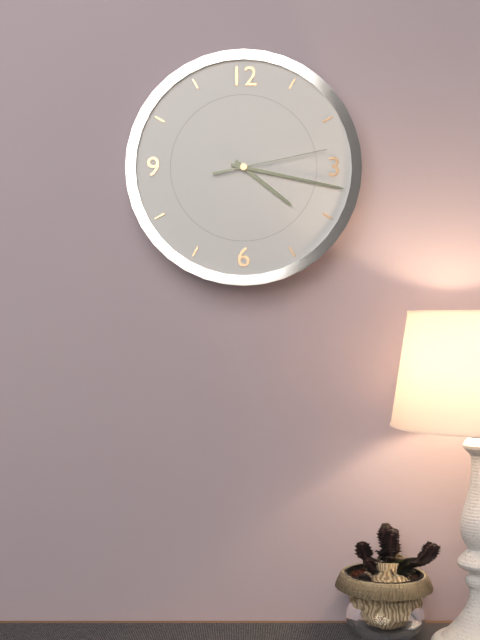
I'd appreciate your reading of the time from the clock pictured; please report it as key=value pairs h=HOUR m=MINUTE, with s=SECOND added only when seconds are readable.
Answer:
h=4 m=17 s=13
